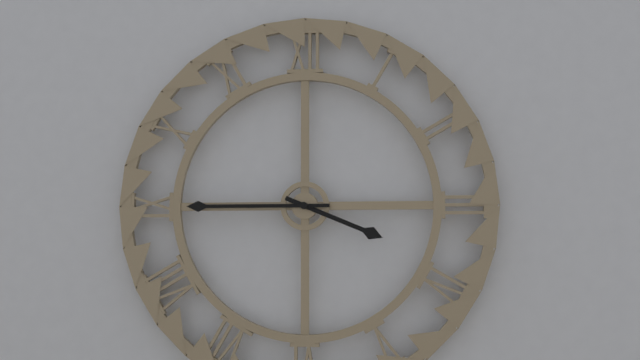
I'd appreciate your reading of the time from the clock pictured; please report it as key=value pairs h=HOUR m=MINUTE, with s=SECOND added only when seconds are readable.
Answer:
h=3 m=45
